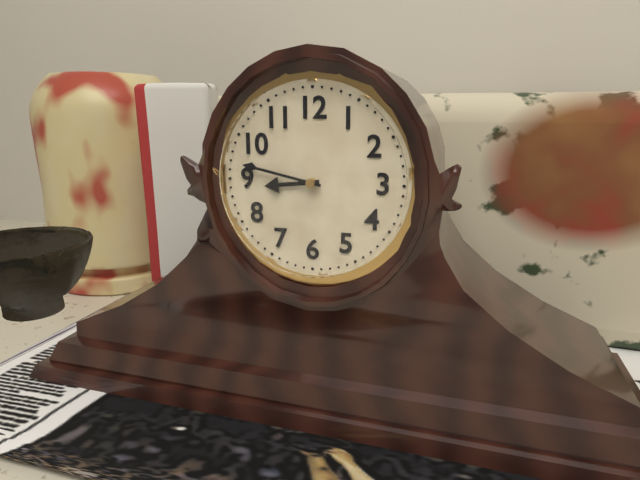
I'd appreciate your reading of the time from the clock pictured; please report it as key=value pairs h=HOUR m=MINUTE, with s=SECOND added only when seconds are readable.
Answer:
h=8 m=47
